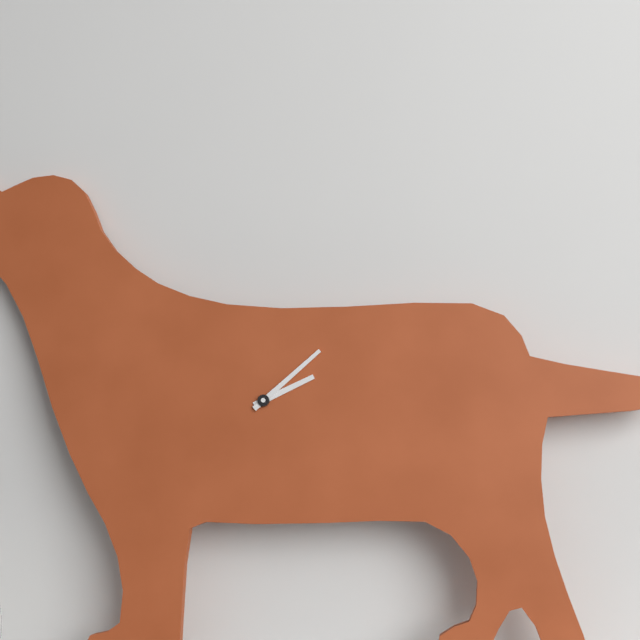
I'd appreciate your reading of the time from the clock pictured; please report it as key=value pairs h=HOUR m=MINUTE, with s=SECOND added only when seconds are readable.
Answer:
h=2 m=8
